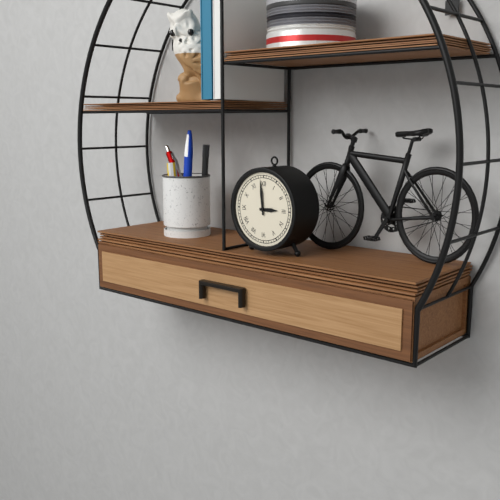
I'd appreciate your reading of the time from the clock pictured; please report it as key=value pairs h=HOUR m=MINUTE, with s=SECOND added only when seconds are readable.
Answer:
h=2 m=59
